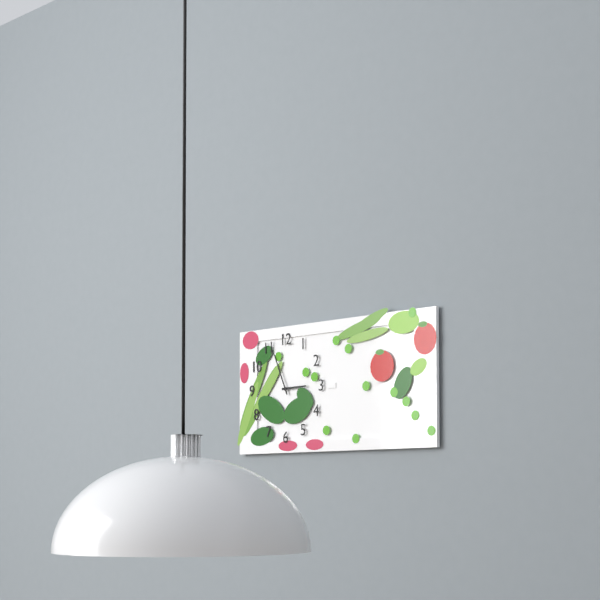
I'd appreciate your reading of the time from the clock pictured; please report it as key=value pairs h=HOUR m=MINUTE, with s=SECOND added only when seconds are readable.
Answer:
h=2 m=56
